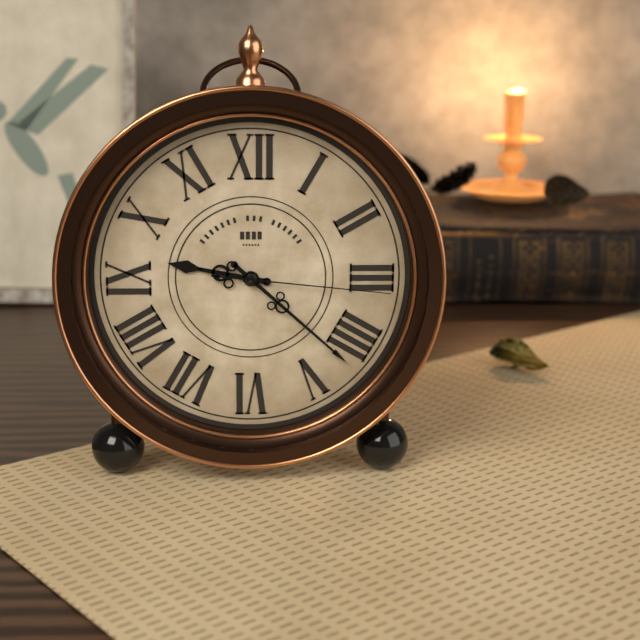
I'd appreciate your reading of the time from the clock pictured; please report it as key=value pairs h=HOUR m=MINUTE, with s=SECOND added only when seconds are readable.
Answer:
h=9 m=22 s=16
